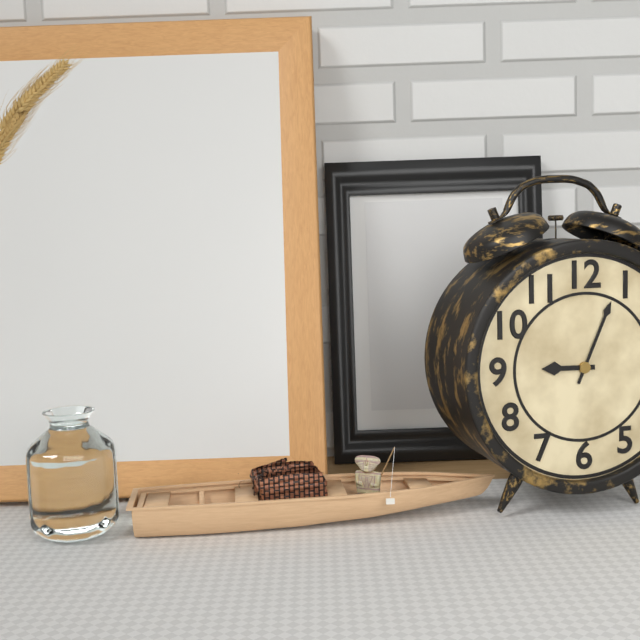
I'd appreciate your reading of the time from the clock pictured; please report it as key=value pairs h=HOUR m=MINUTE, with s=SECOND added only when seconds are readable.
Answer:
h=9 m=4
